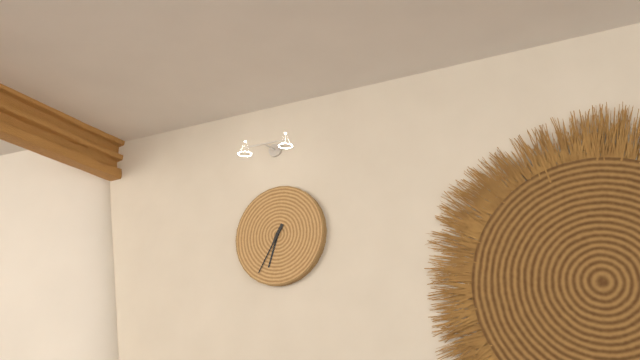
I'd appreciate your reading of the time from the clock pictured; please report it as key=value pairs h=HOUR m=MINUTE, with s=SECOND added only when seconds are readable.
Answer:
h=6 m=35
